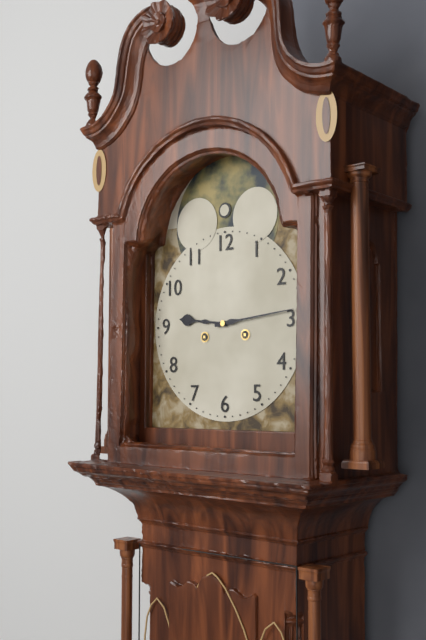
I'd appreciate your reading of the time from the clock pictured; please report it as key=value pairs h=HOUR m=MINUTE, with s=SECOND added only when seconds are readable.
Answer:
h=9 m=14
